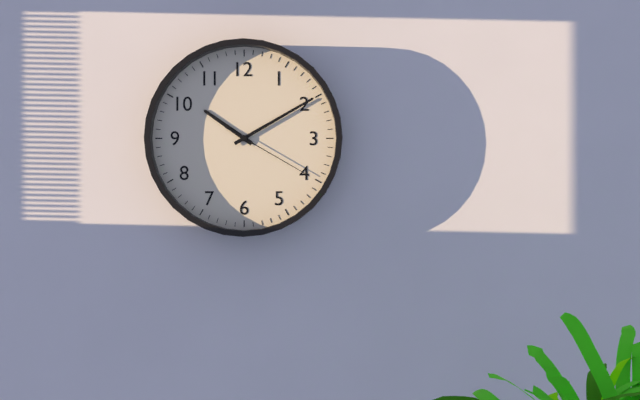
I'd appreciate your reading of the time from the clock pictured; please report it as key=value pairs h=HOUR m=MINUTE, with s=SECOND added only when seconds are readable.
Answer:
h=10 m=10 s=20
